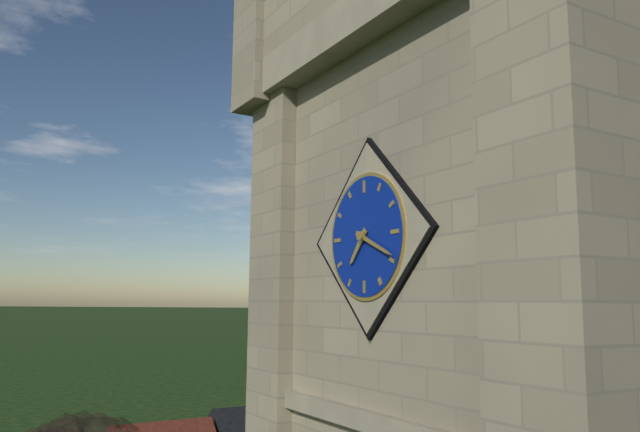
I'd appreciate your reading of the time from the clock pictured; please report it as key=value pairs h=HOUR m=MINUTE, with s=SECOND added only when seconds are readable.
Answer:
h=7 m=19
